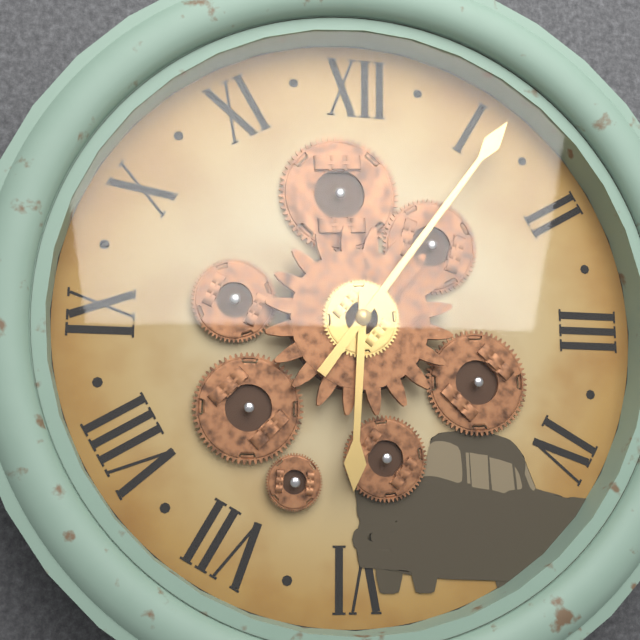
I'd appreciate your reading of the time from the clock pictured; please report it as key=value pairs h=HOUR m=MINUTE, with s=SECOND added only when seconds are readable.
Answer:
h=6 m=6
